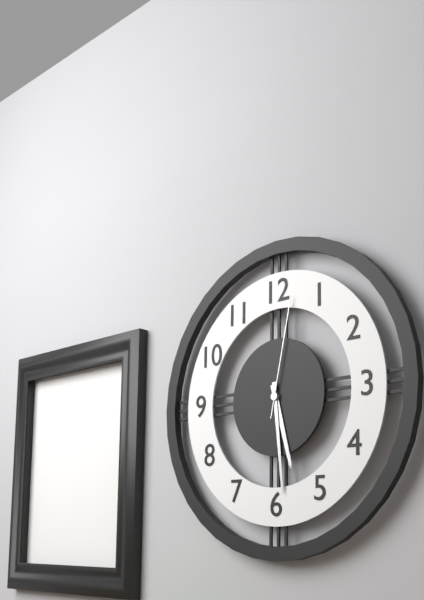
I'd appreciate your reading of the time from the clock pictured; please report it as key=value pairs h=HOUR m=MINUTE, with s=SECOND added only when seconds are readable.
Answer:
h=5 m=29 s=2
